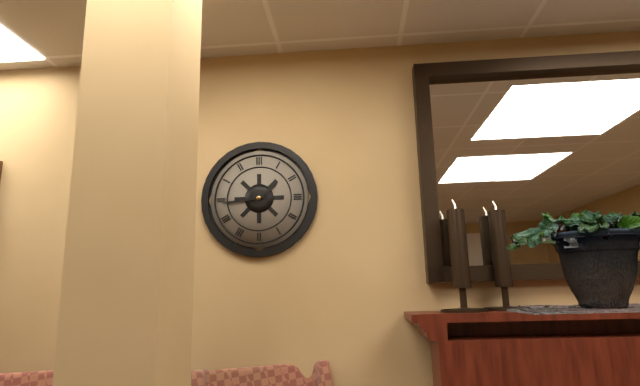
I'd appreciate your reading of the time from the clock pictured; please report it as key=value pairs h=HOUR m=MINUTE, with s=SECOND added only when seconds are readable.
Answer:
h=1 m=44
